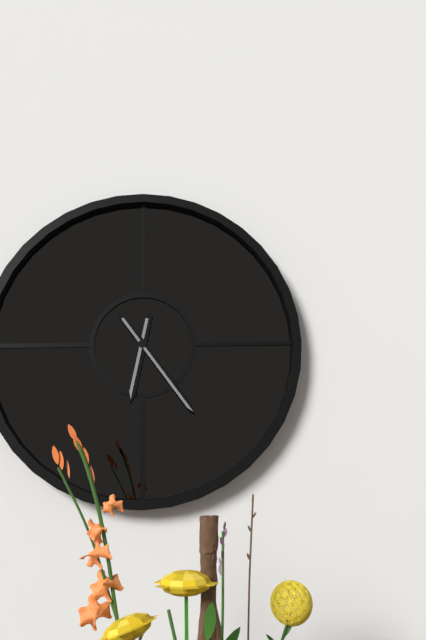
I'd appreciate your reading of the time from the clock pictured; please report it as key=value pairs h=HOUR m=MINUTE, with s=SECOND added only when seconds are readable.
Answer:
h=6 m=24
